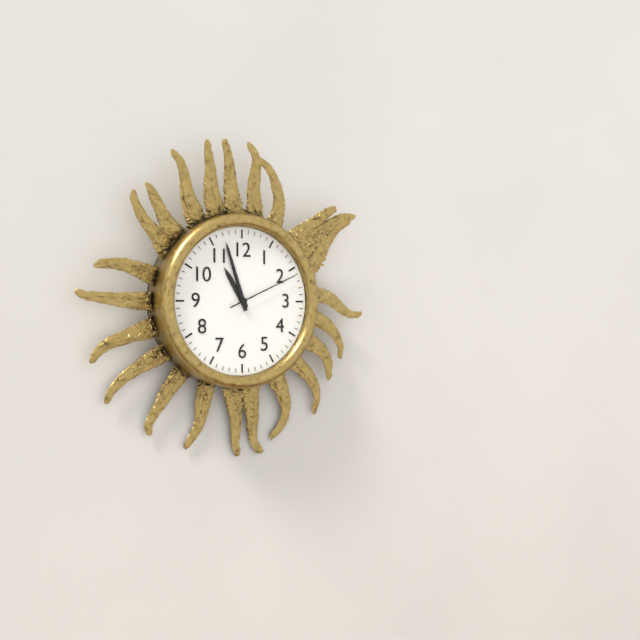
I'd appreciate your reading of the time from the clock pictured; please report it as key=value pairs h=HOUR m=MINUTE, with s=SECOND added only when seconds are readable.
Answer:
h=10 m=57 s=11
